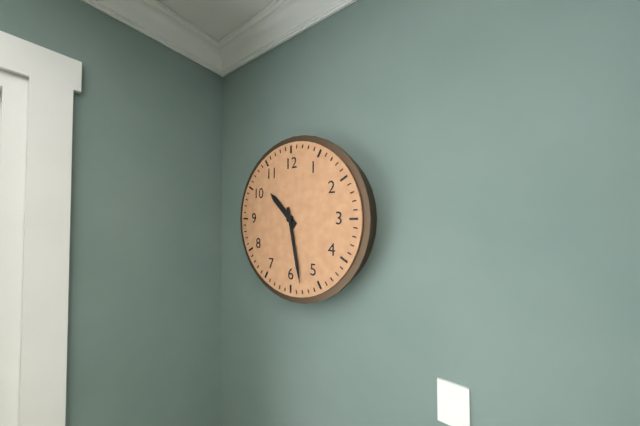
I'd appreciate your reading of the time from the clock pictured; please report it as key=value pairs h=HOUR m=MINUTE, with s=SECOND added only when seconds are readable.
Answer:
h=10 m=28
